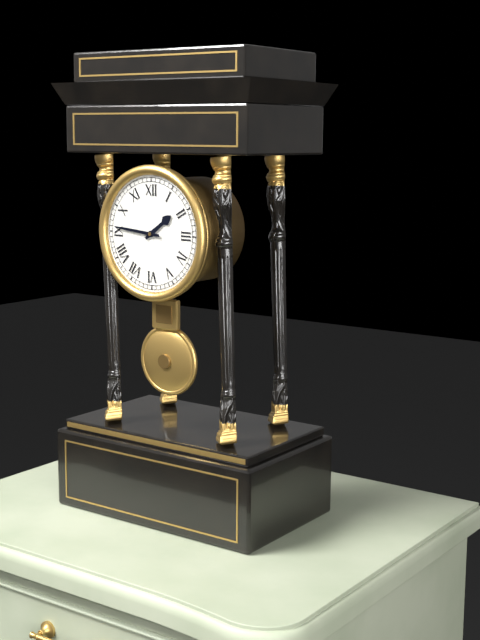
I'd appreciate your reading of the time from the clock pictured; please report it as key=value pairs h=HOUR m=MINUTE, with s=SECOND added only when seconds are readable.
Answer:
h=1 m=46
